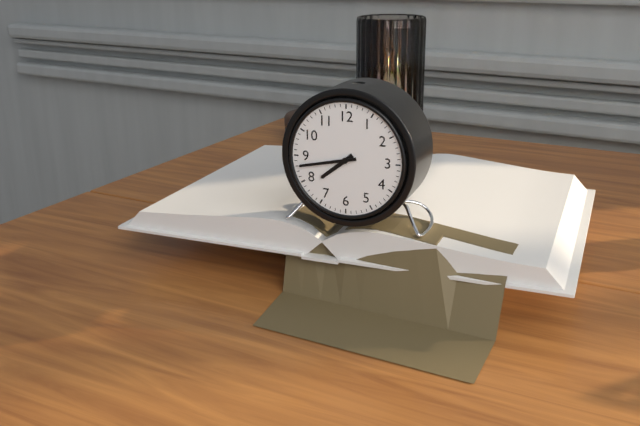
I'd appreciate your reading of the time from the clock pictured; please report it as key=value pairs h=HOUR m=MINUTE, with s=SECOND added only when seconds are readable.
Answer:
h=7 m=43
